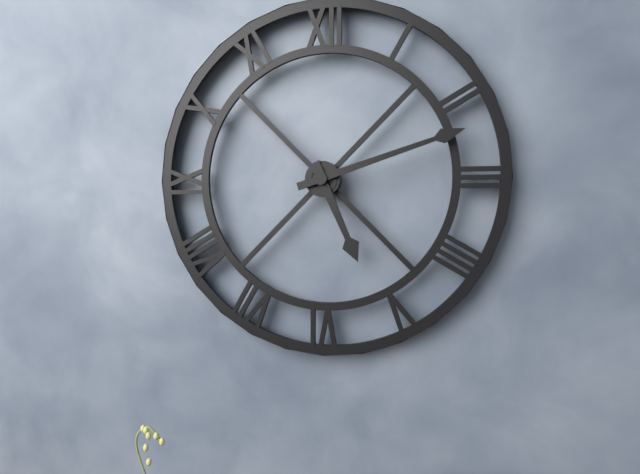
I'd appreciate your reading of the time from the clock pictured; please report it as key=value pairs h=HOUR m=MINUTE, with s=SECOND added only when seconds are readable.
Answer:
h=5 m=12
